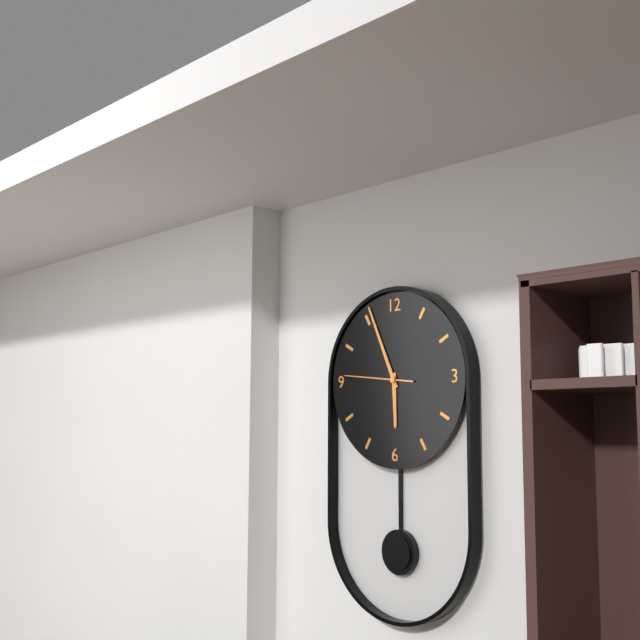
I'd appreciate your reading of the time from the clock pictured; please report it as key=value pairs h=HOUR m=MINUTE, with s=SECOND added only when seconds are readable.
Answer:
h=5 m=56 s=46
